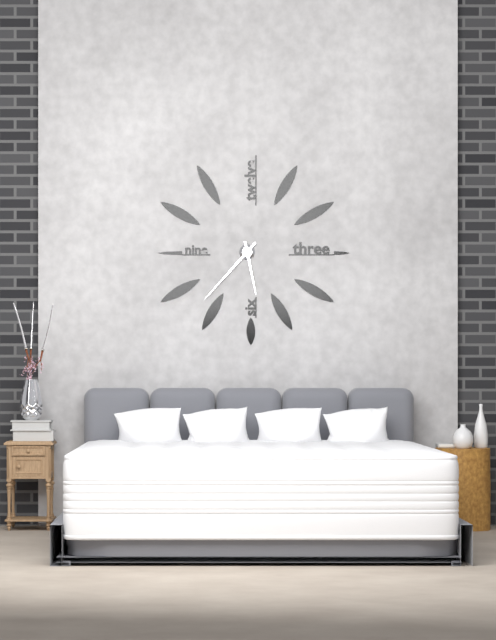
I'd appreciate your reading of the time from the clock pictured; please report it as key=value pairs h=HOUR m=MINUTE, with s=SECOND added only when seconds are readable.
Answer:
h=5 m=37
